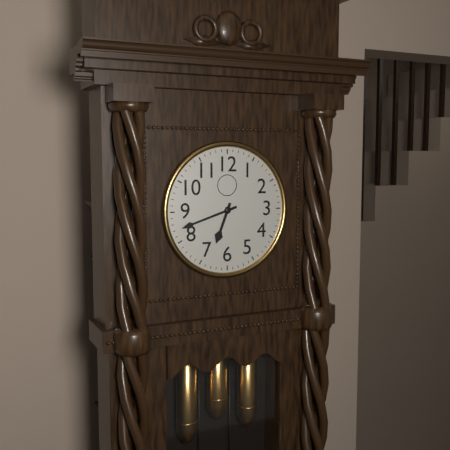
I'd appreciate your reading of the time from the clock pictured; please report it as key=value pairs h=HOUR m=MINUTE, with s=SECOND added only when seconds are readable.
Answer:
h=6 m=42
